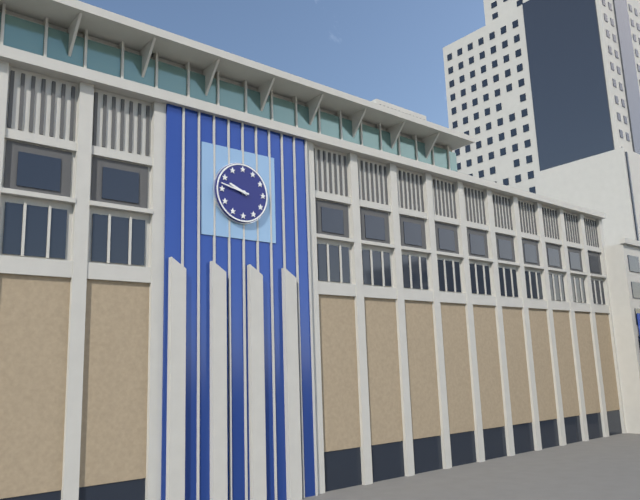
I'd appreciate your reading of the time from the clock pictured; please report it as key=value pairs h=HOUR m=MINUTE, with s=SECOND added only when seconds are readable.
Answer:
h=9 m=47
